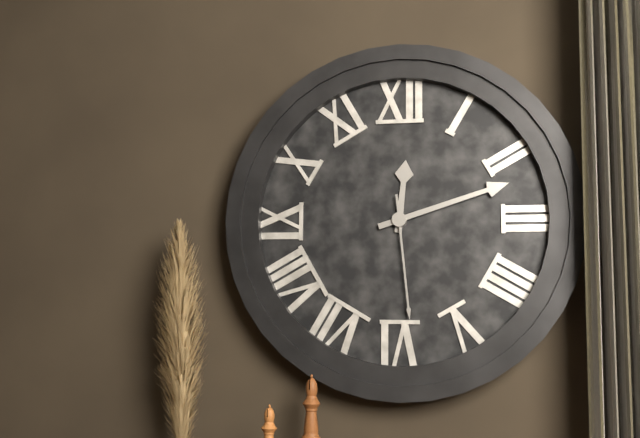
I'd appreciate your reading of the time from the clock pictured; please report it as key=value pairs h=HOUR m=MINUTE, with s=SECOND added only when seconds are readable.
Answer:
h=12 m=12 s=29
